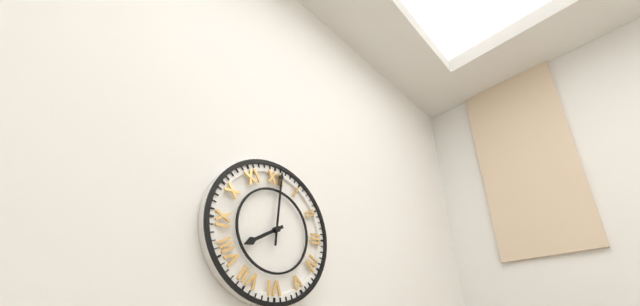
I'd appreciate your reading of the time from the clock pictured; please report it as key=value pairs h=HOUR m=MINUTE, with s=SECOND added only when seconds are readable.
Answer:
h=8 m=1
